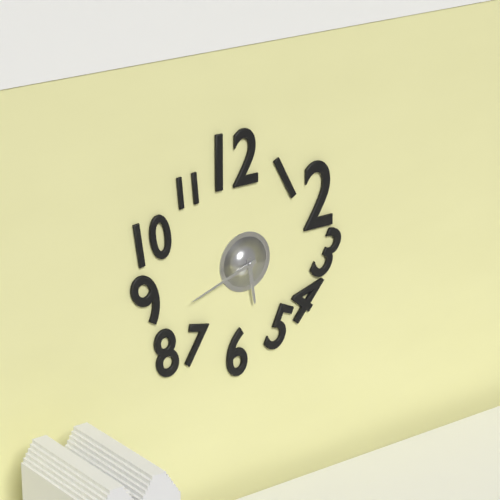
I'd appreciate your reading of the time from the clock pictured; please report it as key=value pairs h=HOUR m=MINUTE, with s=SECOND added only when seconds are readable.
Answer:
h=5 m=42
